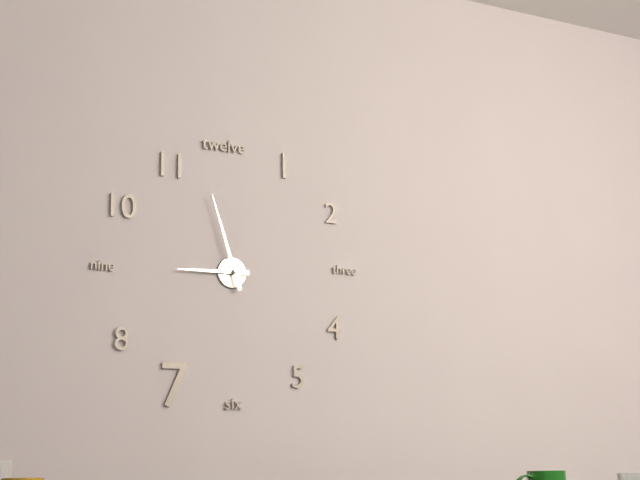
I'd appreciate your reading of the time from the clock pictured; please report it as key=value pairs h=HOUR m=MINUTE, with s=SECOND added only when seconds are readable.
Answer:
h=8 m=57
